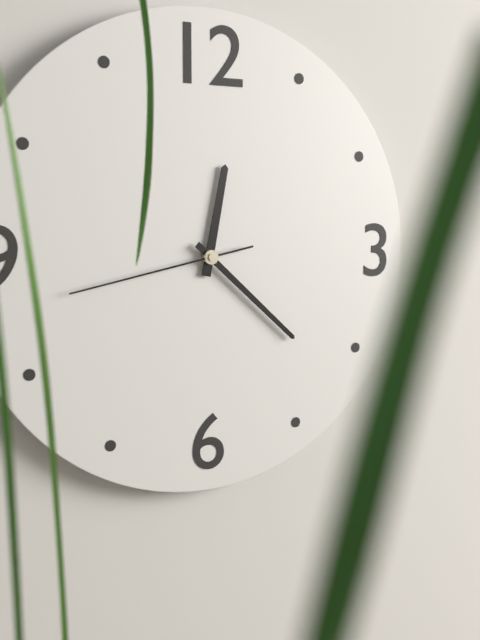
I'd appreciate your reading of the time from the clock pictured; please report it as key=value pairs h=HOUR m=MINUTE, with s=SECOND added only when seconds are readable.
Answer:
h=12 m=22 s=43
